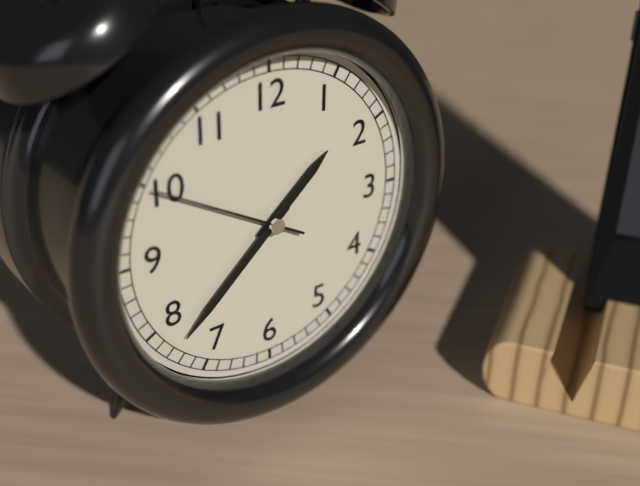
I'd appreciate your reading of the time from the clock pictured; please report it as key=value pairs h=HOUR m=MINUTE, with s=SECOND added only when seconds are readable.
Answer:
h=1 m=38 s=50
